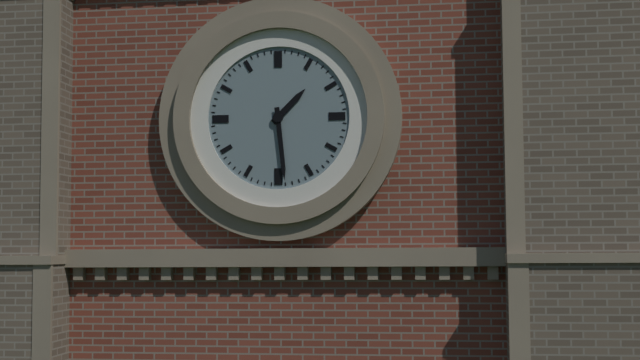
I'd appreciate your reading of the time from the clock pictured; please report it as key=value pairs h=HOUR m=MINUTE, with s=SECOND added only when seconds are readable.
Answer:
h=1 m=29
